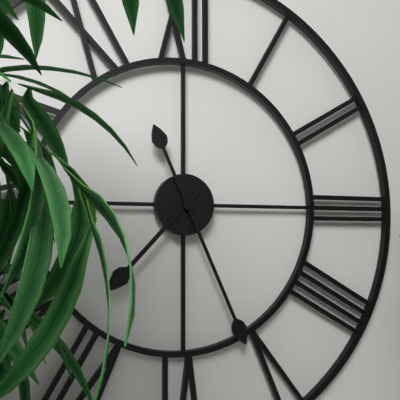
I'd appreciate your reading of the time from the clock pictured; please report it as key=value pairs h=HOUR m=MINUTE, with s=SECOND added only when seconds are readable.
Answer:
h=7 m=26
